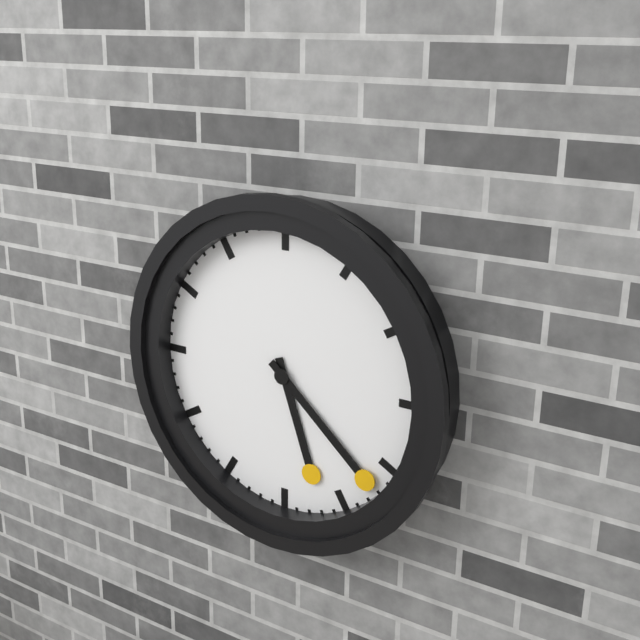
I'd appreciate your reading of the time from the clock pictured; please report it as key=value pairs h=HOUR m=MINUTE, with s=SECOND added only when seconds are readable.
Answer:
h=5 m=22
